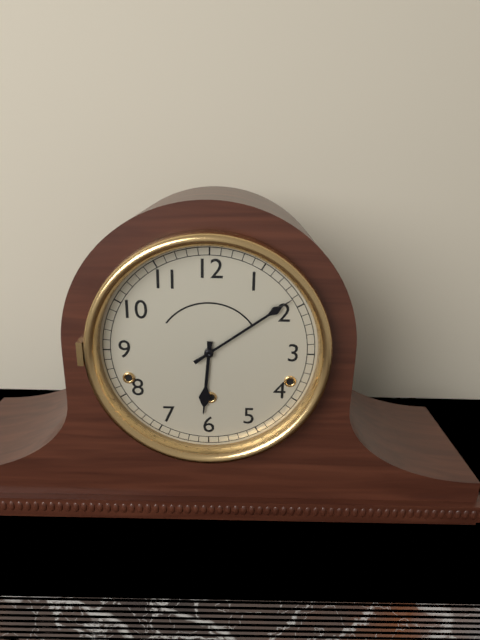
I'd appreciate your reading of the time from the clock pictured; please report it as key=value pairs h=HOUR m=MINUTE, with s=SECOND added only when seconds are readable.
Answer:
h=6 m=9
